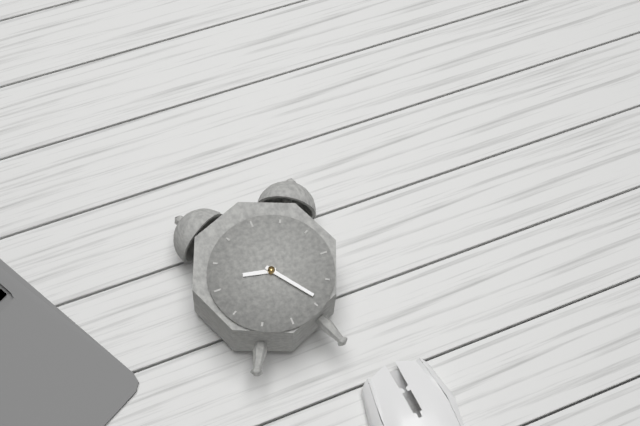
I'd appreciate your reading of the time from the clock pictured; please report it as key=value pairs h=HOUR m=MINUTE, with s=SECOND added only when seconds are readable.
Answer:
h=9 m=24
